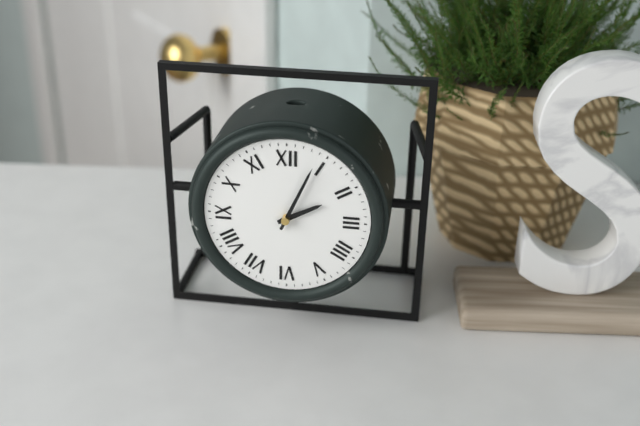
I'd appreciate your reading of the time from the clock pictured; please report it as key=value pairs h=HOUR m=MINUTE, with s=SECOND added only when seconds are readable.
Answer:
h=2 m=4
